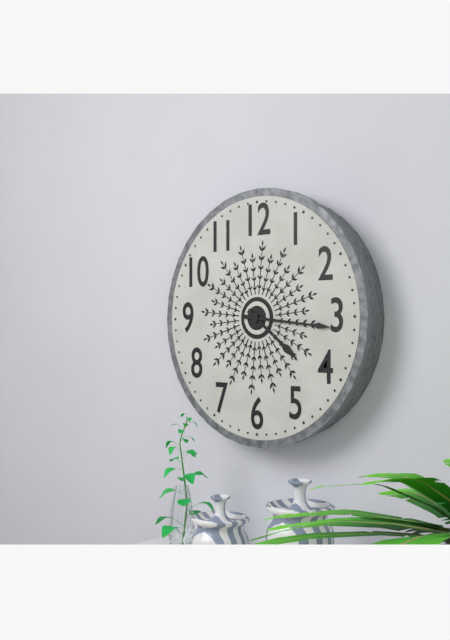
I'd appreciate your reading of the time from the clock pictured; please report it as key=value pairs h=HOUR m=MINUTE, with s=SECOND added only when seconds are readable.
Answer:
h=4 m=16
